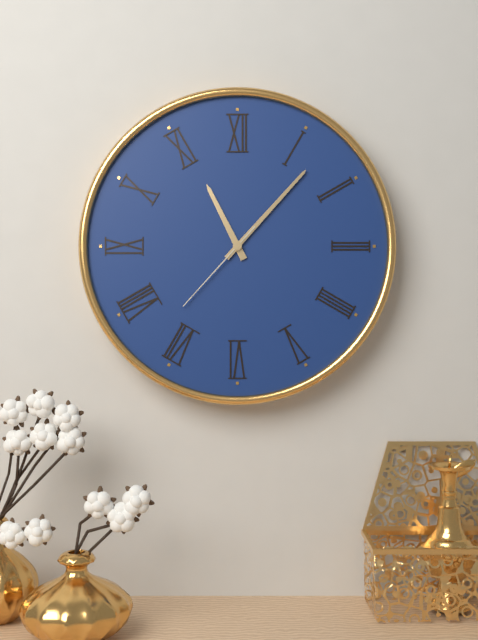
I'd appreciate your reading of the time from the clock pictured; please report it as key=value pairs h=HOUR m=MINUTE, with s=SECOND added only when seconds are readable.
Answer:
h=11 m=7 s=37
